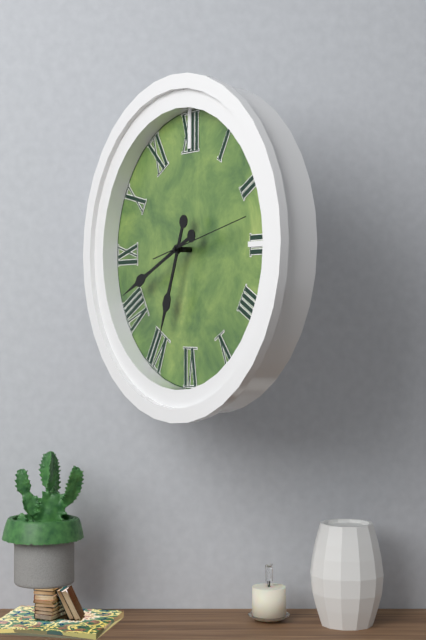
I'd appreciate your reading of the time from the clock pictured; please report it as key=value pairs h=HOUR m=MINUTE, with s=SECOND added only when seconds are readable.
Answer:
h=6 m=41 s=13
